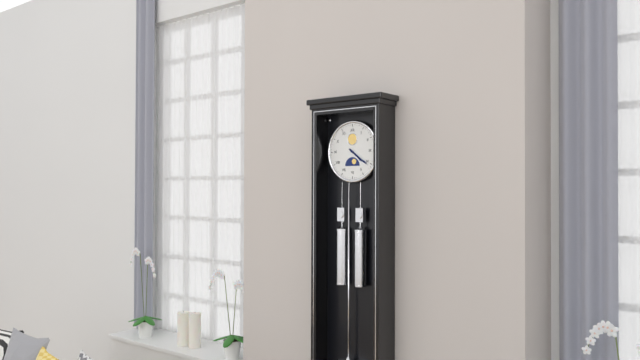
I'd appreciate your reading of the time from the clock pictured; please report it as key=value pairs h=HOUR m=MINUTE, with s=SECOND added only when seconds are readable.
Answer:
h=4 m=21
